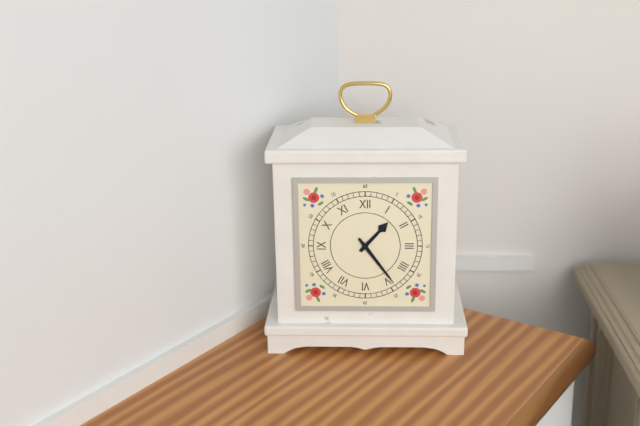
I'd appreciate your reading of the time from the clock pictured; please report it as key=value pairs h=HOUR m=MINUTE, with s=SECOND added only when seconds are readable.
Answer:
h=1 m=24
